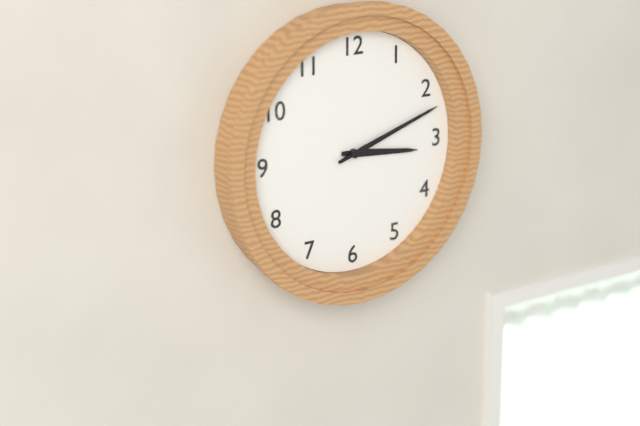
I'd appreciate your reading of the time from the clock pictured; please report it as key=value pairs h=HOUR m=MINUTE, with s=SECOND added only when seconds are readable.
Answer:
h=3 m=12
